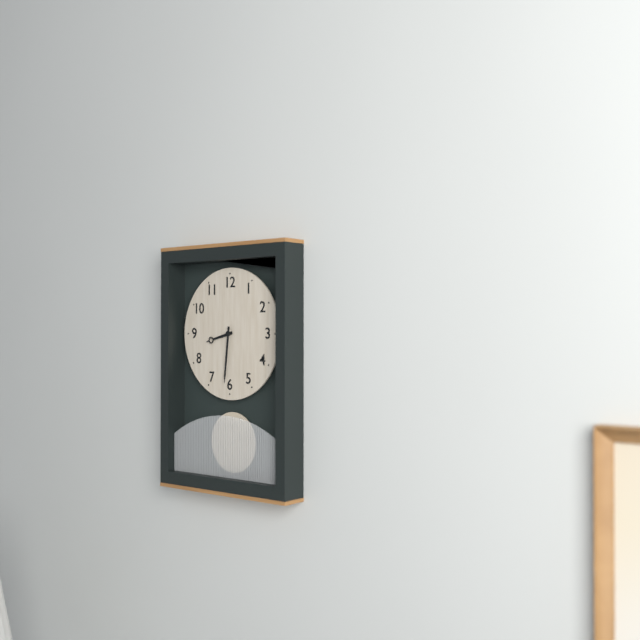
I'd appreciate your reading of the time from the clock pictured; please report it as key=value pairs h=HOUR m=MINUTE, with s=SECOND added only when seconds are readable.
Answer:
h=8 m=31
